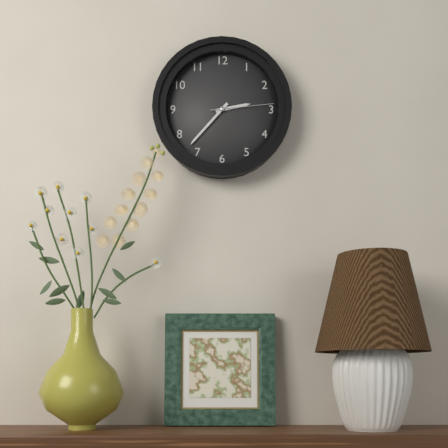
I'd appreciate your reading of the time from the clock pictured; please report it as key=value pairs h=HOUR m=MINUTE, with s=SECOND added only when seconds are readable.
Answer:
h=2 m=37 s=14
